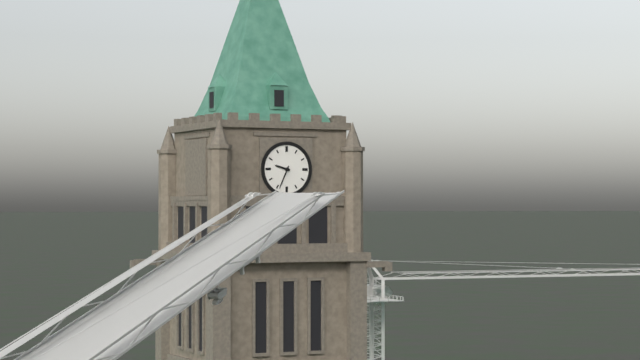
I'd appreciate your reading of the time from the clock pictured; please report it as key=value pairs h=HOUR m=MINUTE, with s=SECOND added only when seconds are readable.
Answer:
h=9 m=34
